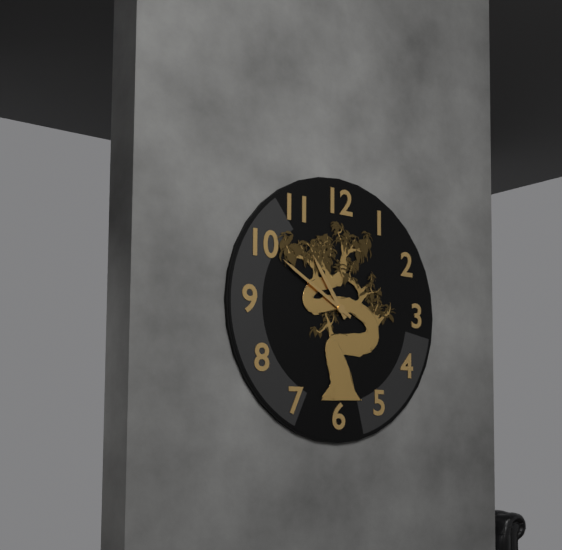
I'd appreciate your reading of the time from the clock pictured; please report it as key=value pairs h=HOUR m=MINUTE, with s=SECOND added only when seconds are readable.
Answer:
h=10 m=50
